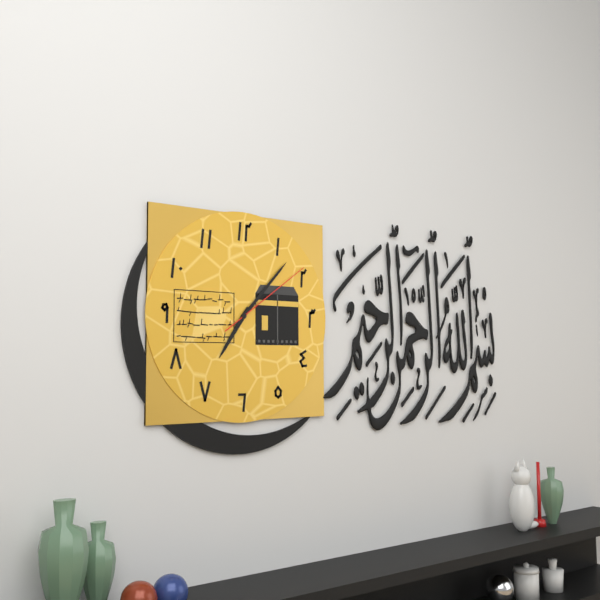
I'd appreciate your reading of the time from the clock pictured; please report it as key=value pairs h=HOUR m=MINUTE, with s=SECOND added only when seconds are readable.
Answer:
h=7 m=7 s=9
